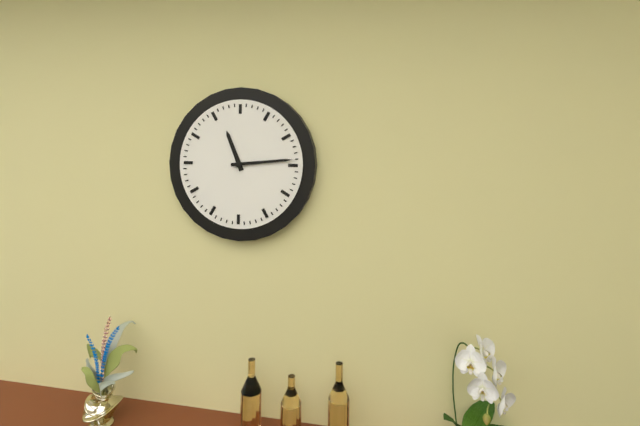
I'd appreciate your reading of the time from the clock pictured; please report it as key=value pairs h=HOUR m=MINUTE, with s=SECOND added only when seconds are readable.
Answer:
h=11 m=14
